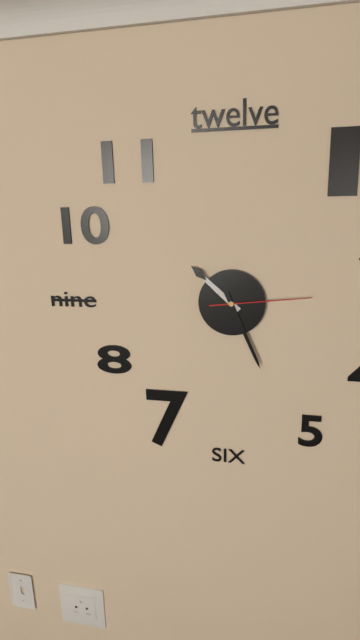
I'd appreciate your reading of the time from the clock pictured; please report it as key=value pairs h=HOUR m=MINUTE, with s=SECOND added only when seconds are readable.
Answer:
h=10 m=26 s=14
